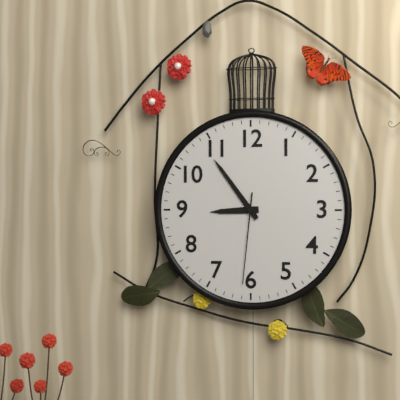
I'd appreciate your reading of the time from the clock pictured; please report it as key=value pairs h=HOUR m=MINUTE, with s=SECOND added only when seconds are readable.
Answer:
h=8 m=54 s=31
